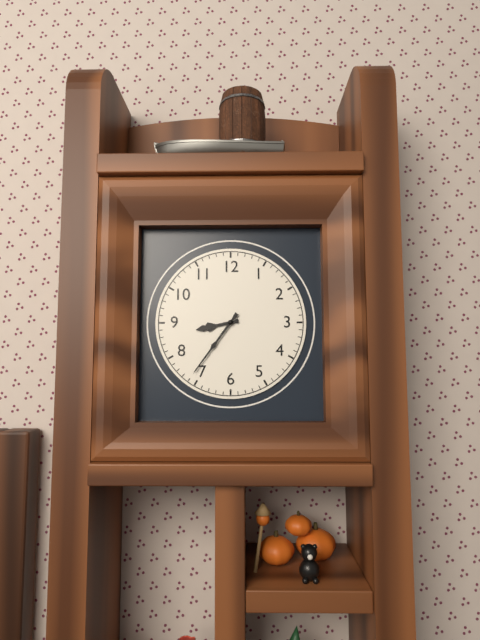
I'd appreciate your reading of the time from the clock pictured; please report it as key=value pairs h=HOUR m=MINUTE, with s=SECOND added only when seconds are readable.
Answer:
h=8 m=36
